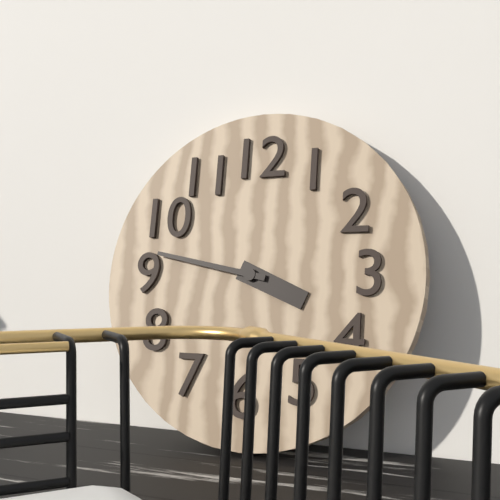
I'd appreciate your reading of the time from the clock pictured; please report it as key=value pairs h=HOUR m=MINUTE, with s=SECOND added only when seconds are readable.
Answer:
h=3 m=47
